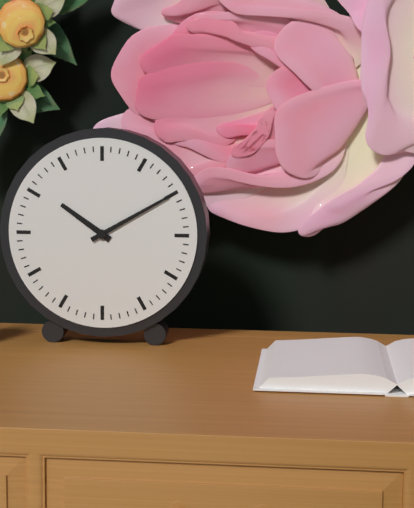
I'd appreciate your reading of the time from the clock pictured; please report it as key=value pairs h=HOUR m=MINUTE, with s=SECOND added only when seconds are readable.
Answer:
h=10 m=10
